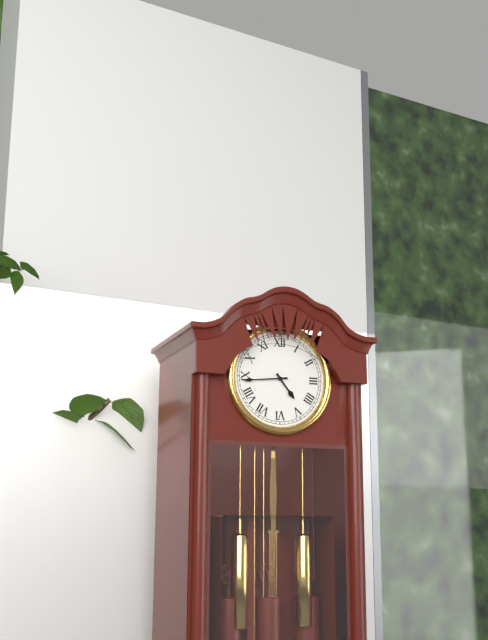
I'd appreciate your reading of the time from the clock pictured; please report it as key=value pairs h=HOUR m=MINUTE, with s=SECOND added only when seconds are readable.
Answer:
h=4 m=44
